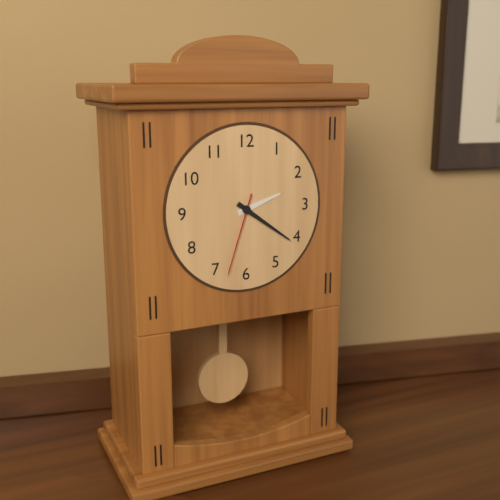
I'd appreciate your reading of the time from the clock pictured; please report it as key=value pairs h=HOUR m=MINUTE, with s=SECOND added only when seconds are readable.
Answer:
h=2 m=21 s=33
